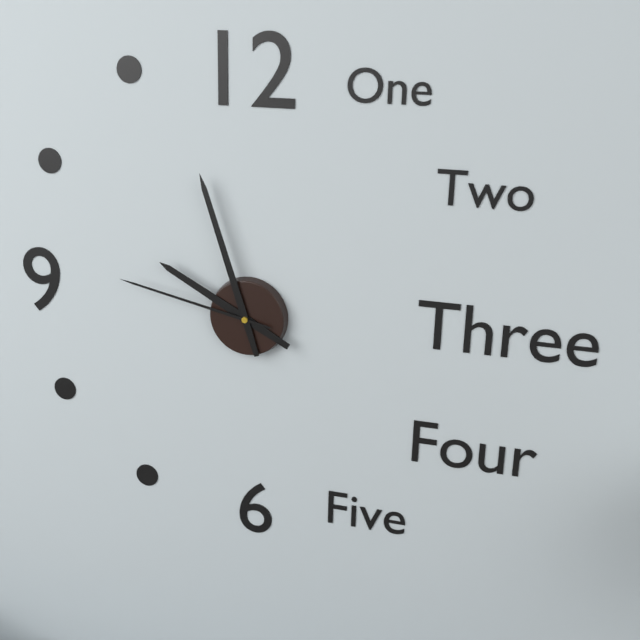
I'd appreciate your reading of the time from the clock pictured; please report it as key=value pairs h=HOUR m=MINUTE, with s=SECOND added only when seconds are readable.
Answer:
h=9 m=57 s=47
